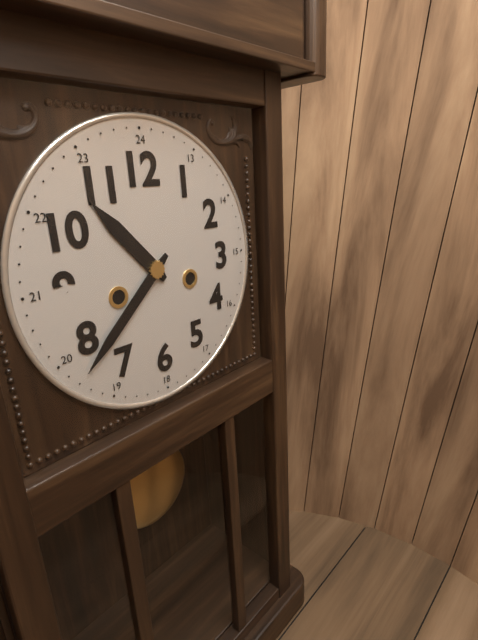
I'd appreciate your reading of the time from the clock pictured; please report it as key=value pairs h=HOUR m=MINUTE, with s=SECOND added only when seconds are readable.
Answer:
h=10 m=38
